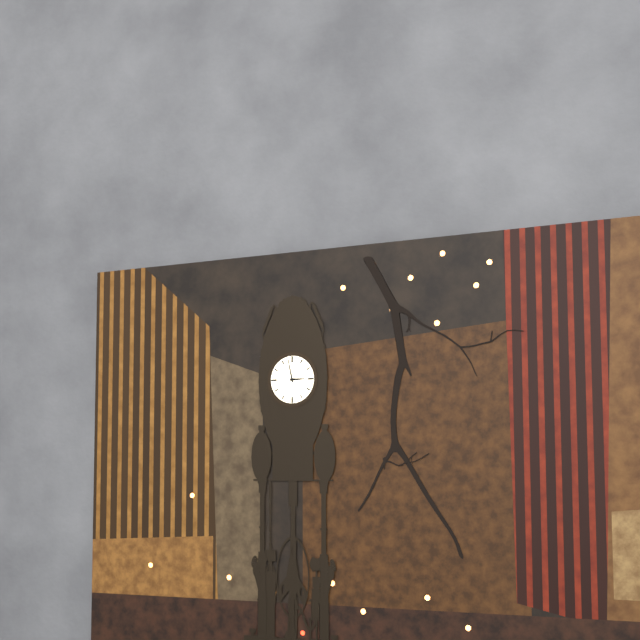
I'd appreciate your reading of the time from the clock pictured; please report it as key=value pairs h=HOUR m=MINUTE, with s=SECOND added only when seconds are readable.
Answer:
h=2 m=58
